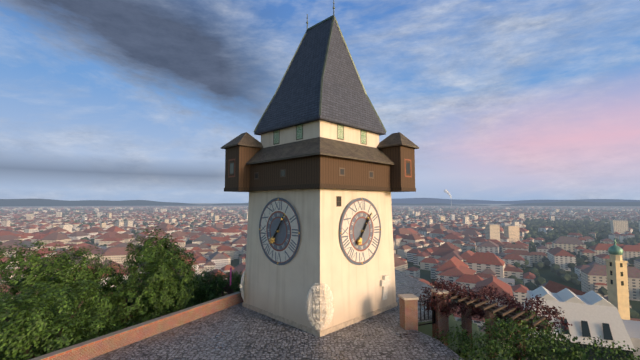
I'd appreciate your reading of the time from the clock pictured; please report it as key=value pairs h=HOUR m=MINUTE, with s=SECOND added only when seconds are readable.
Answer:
h=1 m=6
